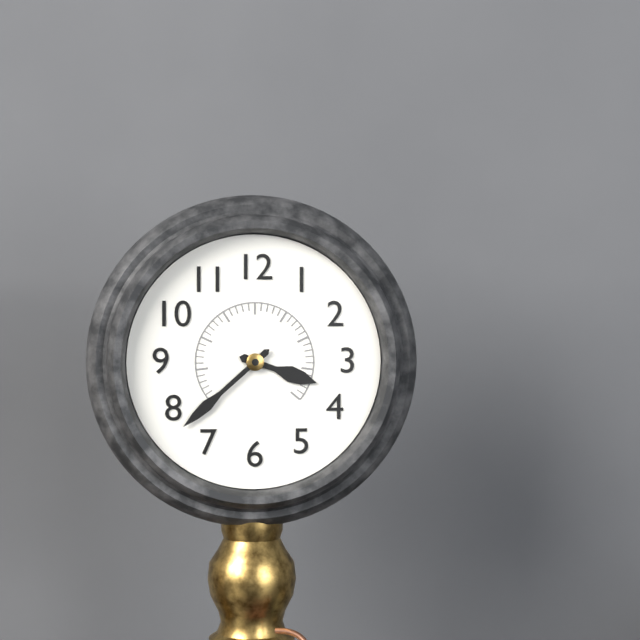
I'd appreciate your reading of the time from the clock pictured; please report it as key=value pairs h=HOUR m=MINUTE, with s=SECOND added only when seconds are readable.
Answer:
h=3 m=38
